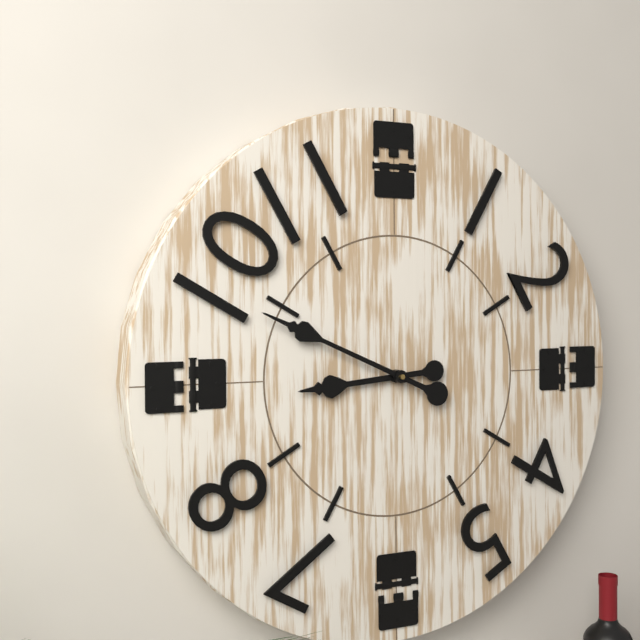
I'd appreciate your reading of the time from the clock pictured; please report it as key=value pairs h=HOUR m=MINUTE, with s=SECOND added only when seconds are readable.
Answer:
h=8 m=49
